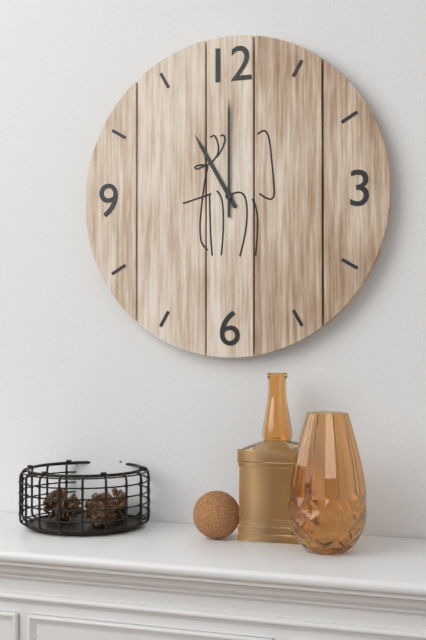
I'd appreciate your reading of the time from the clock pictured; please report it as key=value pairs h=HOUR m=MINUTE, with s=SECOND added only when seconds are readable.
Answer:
h=11 m=0
